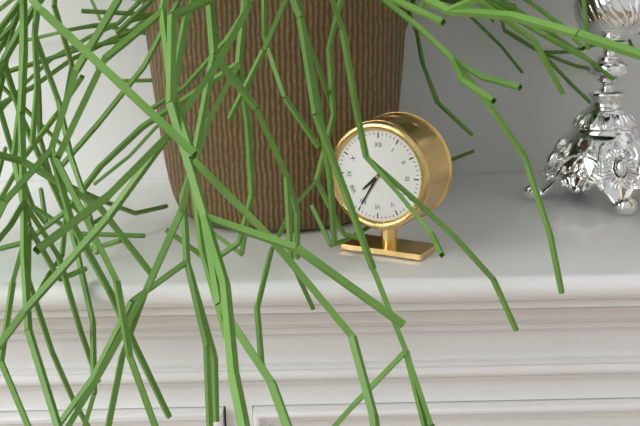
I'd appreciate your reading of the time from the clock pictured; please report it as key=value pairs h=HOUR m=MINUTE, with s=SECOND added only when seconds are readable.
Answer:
h=7 m=35
